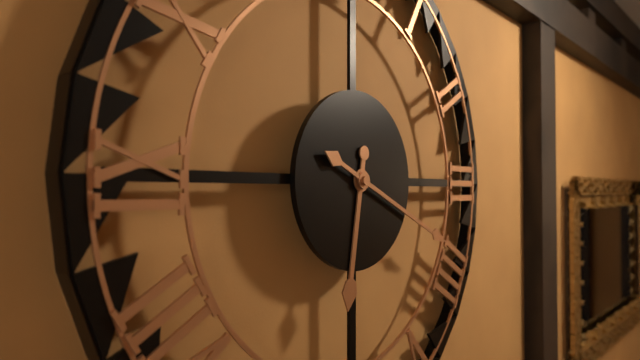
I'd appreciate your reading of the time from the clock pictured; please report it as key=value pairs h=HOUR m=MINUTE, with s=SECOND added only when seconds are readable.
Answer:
h=6 m=19
